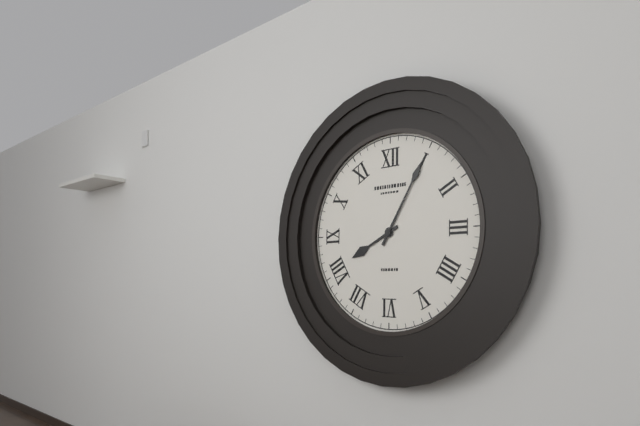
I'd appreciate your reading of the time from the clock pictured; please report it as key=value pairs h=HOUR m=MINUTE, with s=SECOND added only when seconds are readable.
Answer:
h=8 m=5
